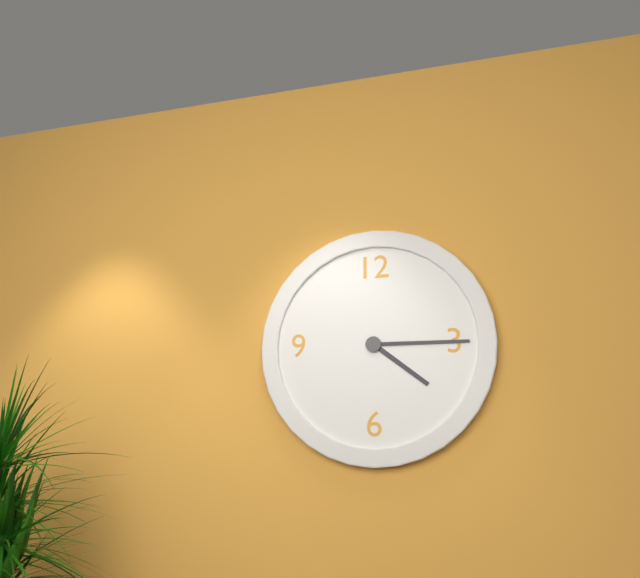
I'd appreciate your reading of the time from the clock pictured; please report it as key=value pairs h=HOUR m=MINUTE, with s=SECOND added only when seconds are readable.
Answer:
h=4 m=15
